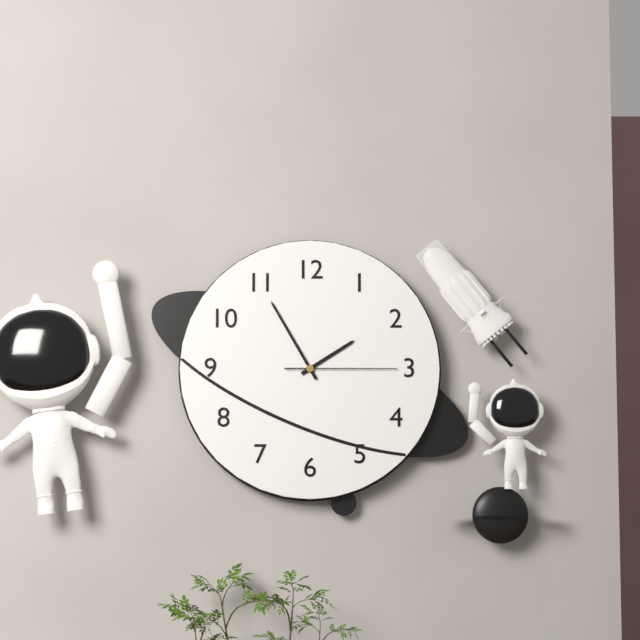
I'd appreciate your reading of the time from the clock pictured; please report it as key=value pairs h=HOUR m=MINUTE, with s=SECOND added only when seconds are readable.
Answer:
h=1 m=55 s=15
